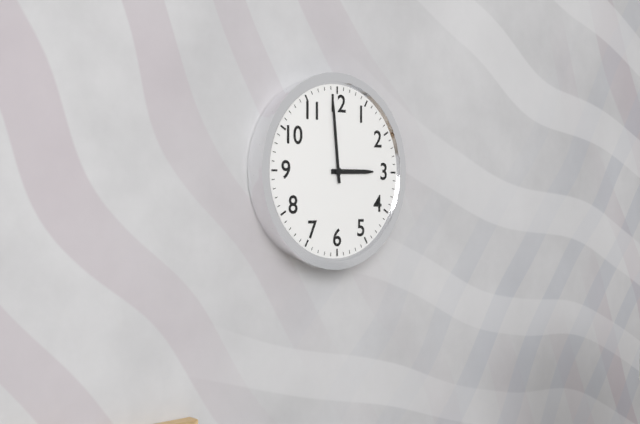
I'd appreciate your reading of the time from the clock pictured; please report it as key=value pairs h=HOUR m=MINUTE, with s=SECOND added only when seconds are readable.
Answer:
h=2 m=59
